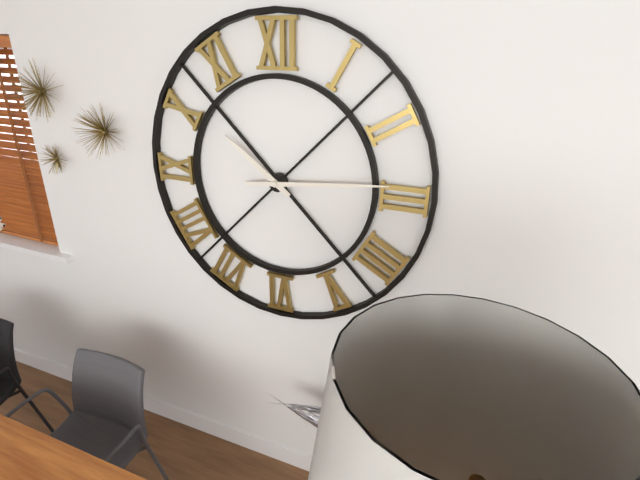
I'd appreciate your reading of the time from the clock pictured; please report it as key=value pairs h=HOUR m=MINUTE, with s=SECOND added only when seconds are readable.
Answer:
h=10 m=14
